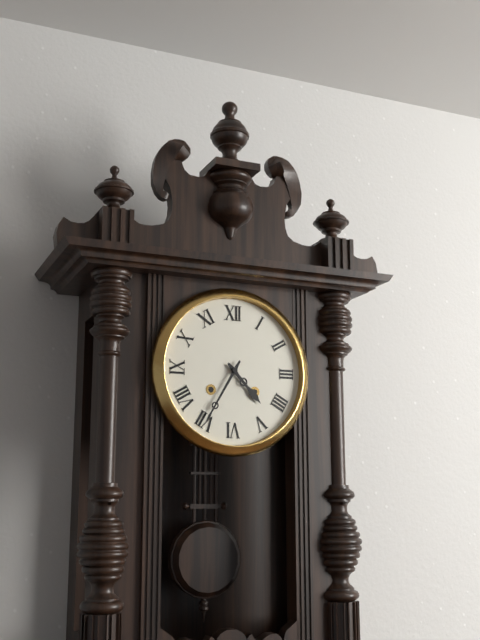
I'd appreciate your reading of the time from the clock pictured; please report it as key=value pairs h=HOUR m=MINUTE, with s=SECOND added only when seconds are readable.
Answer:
h=4 m=35
